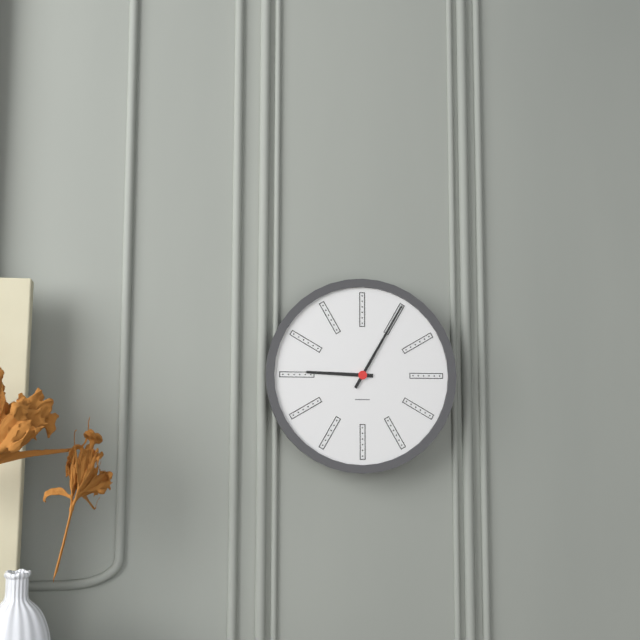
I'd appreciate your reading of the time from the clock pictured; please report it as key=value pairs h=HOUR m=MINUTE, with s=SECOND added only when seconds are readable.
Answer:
h=9 m=5
